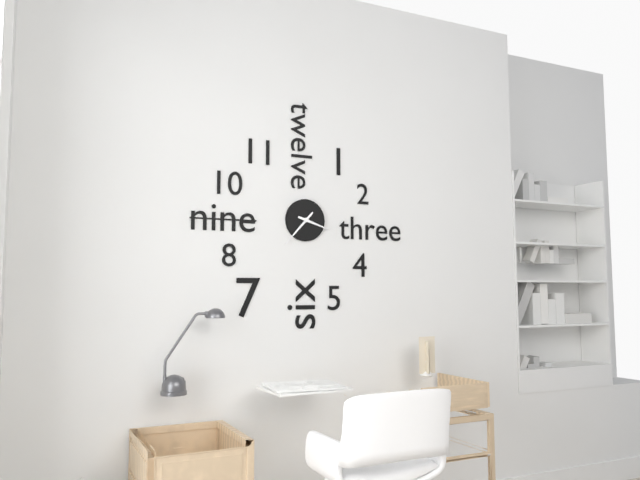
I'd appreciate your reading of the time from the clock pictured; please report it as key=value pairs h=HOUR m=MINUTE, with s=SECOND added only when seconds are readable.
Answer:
h=3 m=37
